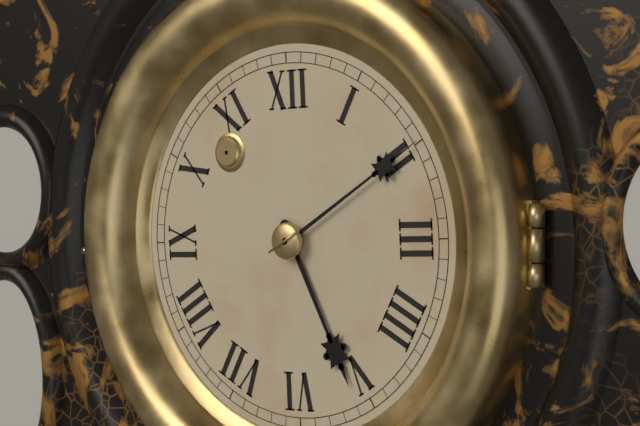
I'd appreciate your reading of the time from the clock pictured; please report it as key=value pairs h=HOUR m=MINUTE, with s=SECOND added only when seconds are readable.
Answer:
h=5 m=10
